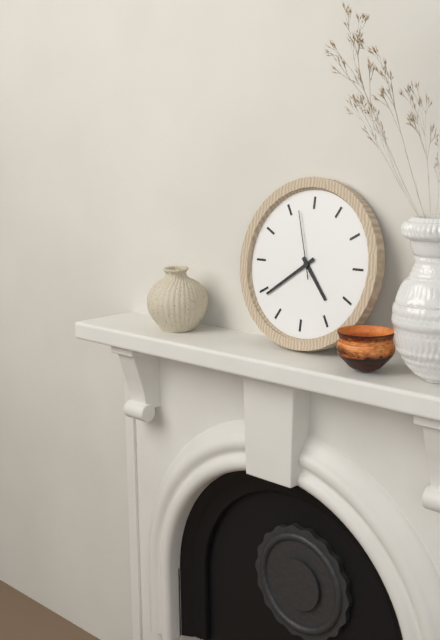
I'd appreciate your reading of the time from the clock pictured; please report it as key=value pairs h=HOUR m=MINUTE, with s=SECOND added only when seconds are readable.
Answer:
h=4 m=39 s=57
